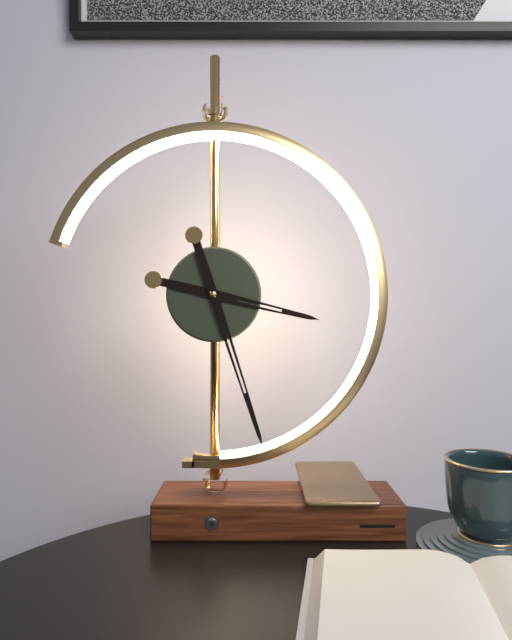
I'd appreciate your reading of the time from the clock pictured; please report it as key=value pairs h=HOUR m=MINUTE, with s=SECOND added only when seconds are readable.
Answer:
h=3 m=27
